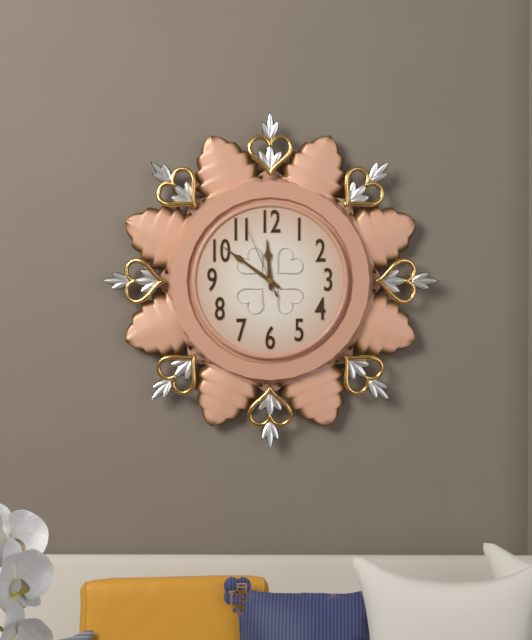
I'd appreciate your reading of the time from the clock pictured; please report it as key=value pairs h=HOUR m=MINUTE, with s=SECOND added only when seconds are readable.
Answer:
h=11 m=51 s=56
